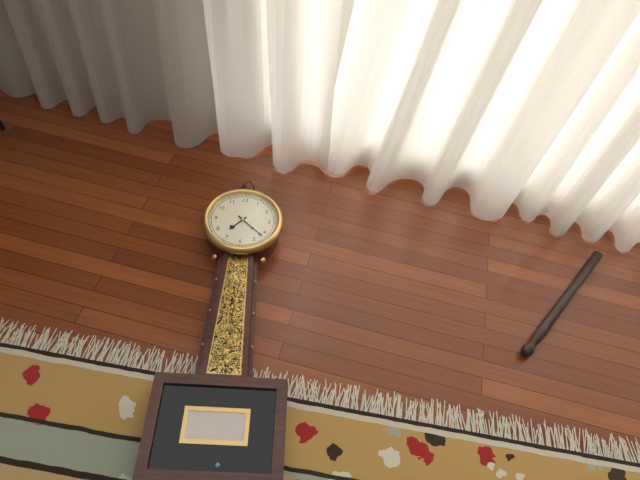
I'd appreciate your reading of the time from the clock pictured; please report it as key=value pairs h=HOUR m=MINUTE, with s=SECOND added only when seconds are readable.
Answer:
h=7 m=22
